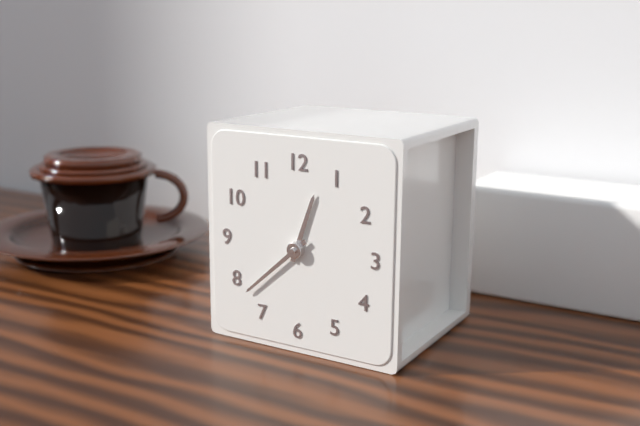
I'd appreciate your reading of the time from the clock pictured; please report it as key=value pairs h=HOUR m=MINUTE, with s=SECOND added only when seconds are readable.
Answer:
h=12 m=38
